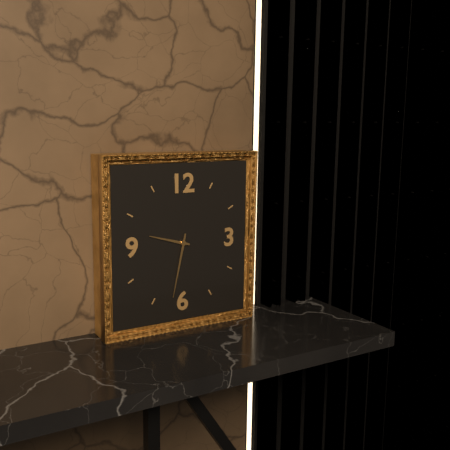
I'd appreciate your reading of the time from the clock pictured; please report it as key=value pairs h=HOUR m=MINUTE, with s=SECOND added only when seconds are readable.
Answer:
h=9 m=32
